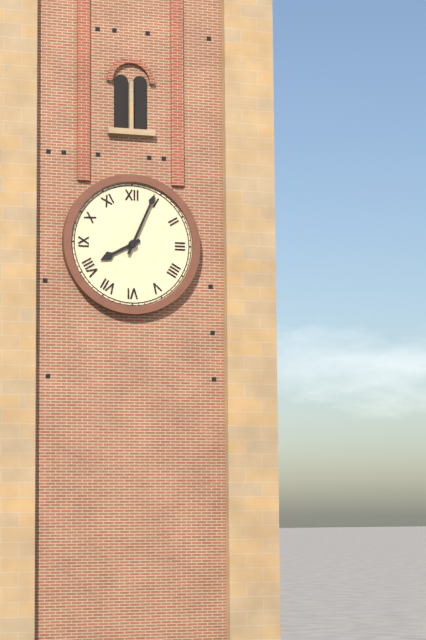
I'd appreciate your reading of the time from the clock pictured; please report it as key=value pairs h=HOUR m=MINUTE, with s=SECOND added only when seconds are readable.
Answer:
h=8 m=4
